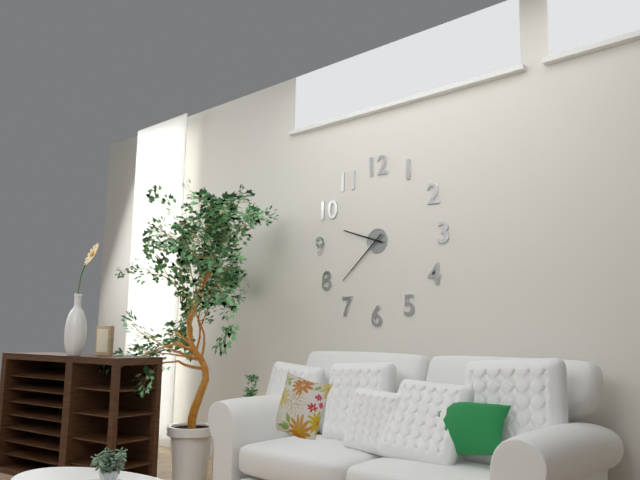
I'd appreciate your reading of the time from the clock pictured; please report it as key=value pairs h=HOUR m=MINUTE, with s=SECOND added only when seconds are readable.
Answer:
h=9 m=38
